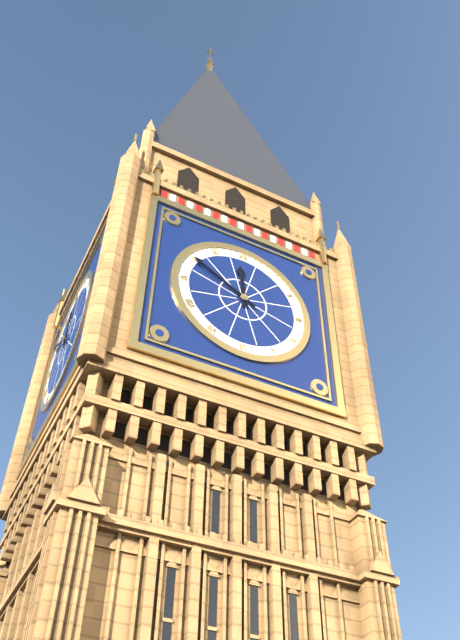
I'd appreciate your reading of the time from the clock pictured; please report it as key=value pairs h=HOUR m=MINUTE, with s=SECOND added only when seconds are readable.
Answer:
h=11 m=50
